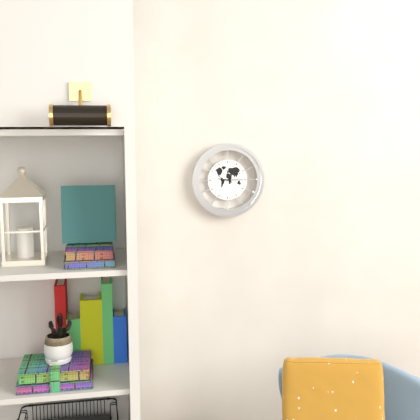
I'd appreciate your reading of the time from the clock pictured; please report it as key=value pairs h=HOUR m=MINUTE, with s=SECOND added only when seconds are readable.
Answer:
h=9 m=15
